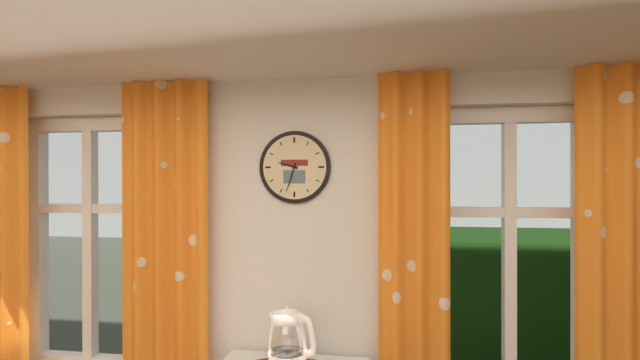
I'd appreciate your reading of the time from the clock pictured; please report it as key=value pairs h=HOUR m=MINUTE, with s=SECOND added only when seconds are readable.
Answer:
h=9 m=33
